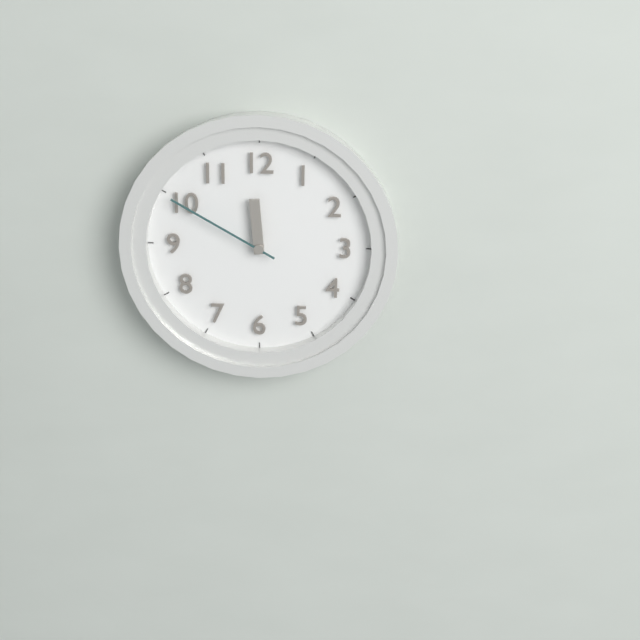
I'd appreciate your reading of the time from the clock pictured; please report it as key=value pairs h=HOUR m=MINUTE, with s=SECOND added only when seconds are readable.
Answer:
h=11 m=50
